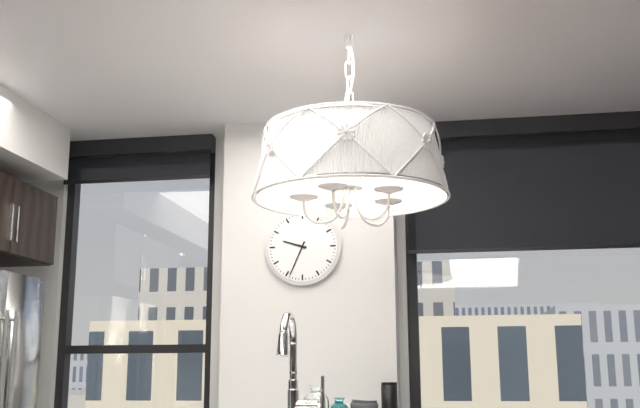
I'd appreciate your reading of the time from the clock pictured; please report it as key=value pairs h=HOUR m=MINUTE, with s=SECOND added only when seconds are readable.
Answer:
h=9 m=34
